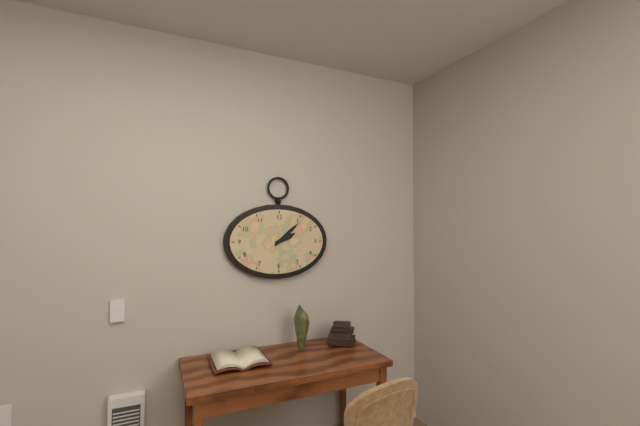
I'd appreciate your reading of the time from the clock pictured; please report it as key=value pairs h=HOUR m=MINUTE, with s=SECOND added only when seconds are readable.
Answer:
h=2 m=8
